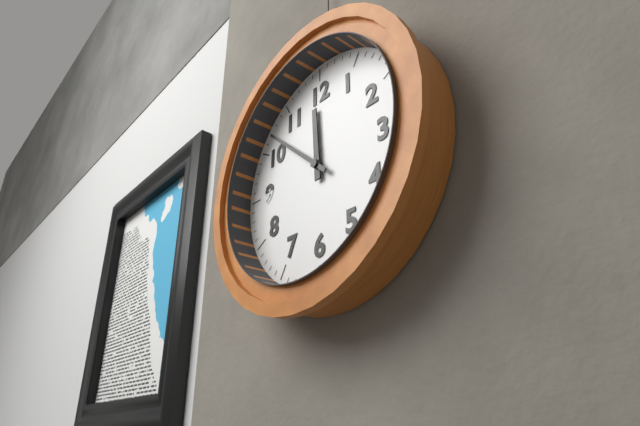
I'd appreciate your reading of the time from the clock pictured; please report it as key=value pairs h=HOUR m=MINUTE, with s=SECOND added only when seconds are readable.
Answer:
h=11 m=52
